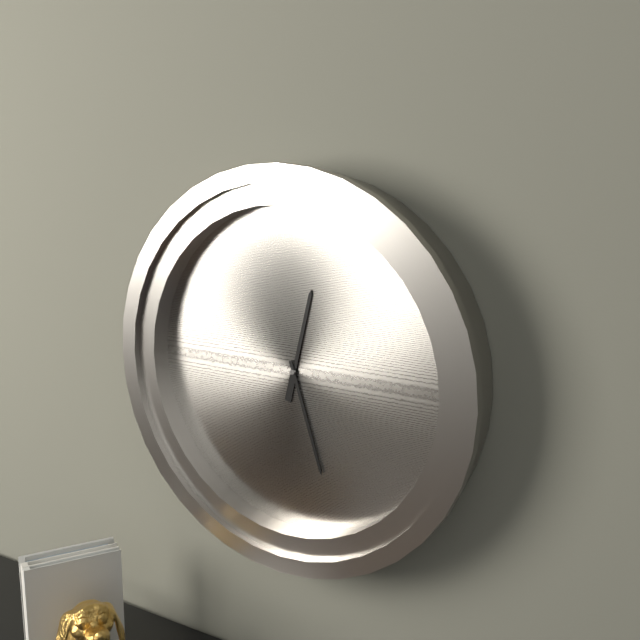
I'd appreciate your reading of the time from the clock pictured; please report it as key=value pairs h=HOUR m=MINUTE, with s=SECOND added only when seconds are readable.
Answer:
h=12 m=27
